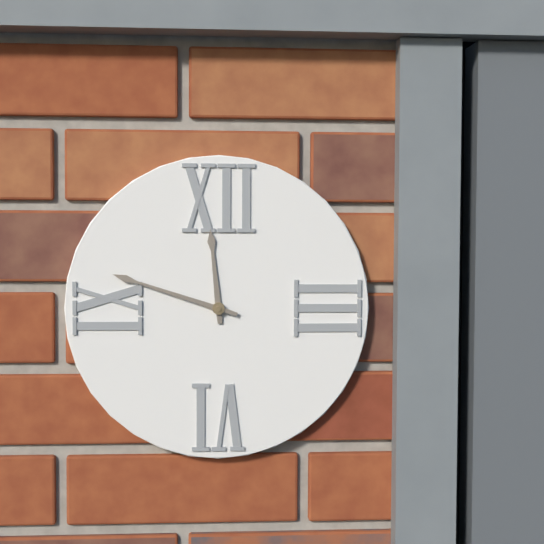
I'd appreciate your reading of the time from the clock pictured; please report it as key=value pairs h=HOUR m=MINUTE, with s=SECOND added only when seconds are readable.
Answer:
h=11 m=48
